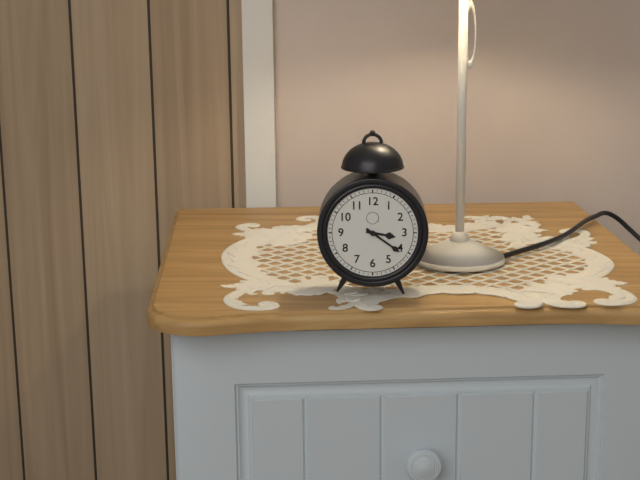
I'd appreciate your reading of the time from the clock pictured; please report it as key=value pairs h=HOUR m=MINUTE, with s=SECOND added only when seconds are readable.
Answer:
h=3 m=21
